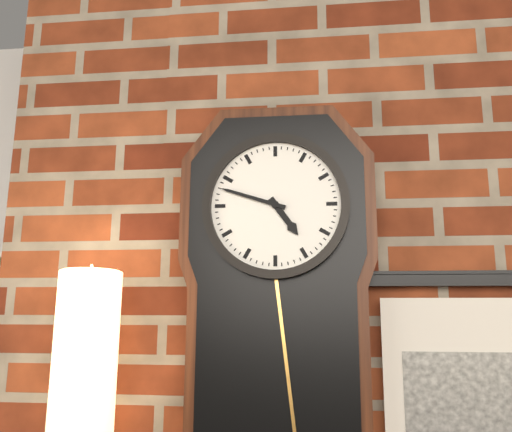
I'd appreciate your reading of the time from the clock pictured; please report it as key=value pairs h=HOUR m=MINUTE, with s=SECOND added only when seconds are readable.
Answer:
h=4 m=48
